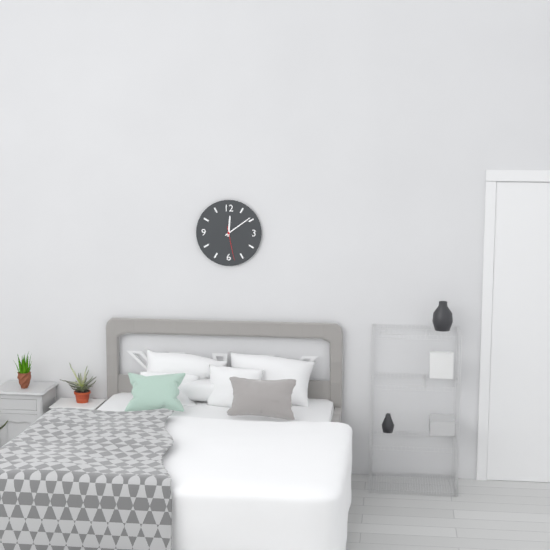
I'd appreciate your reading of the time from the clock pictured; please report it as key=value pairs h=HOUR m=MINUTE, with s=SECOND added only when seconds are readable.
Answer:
h=12 m=9
